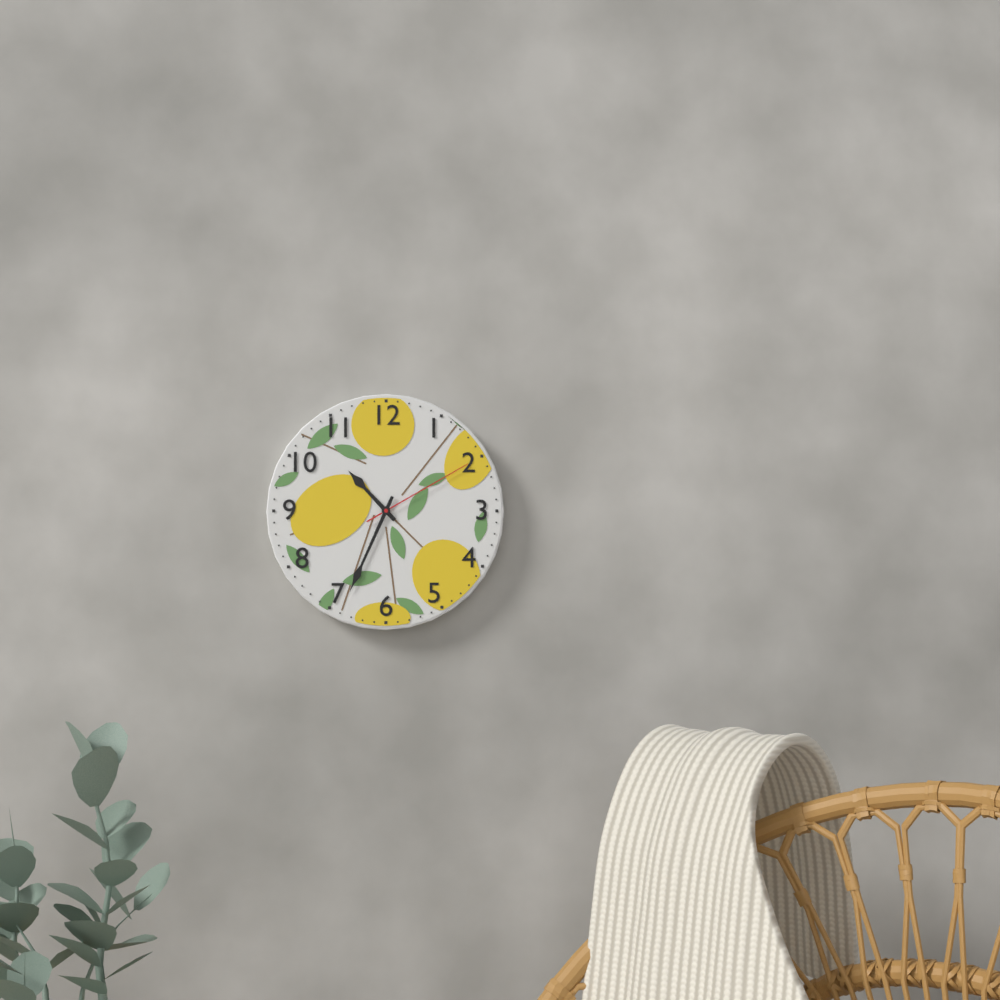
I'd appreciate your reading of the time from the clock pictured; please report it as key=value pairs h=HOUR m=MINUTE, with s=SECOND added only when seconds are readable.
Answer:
h=10 m=34 s=10
